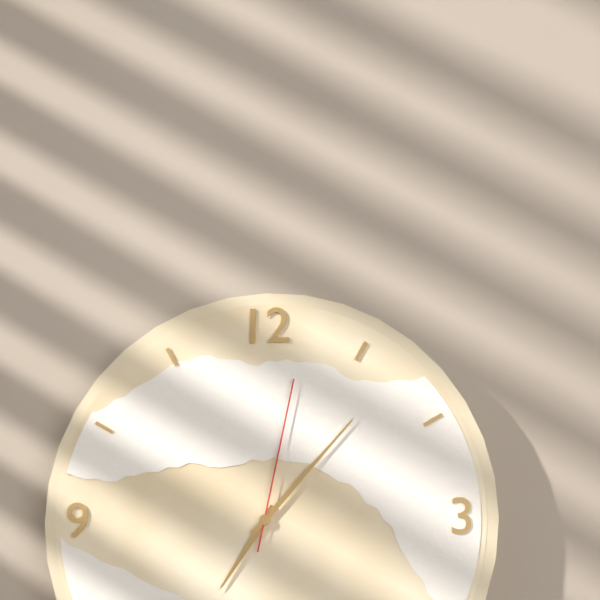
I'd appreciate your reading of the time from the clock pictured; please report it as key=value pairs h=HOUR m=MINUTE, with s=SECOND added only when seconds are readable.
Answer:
h=7 m=7 s=2
